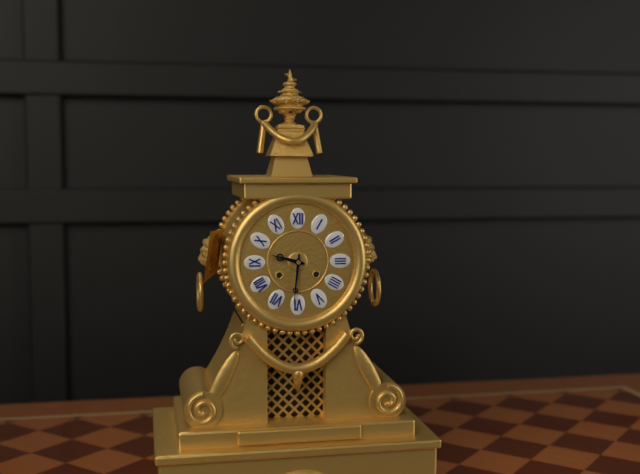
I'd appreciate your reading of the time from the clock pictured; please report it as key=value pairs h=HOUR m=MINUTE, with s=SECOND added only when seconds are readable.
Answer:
h=9 m=31
